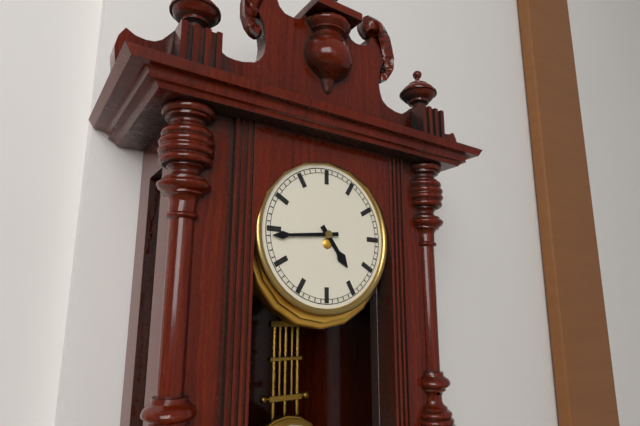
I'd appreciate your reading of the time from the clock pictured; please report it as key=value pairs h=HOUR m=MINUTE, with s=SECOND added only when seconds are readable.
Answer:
h=4 m=44
